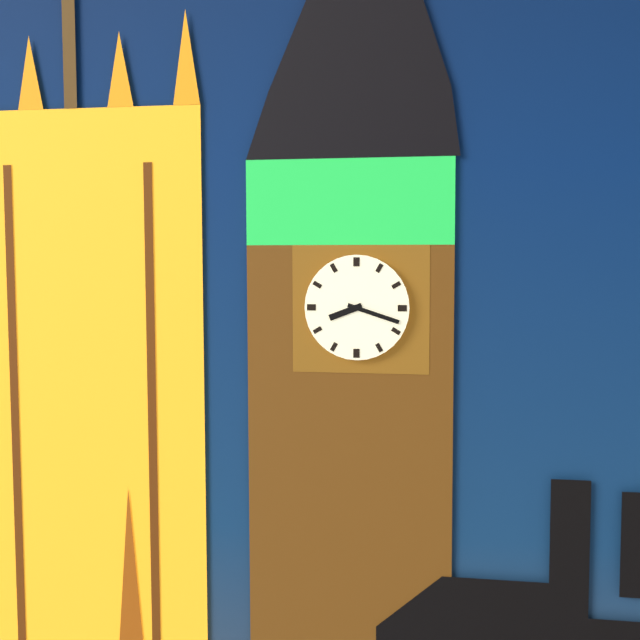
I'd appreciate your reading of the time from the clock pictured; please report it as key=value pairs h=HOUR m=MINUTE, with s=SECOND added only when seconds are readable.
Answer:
h=8 m=18
